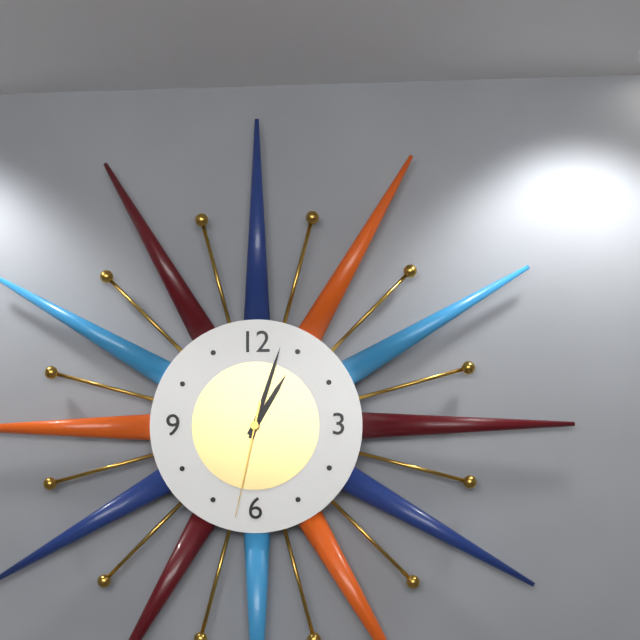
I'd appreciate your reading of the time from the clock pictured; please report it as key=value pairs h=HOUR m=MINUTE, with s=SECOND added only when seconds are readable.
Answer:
h=1 m=3 s=32
